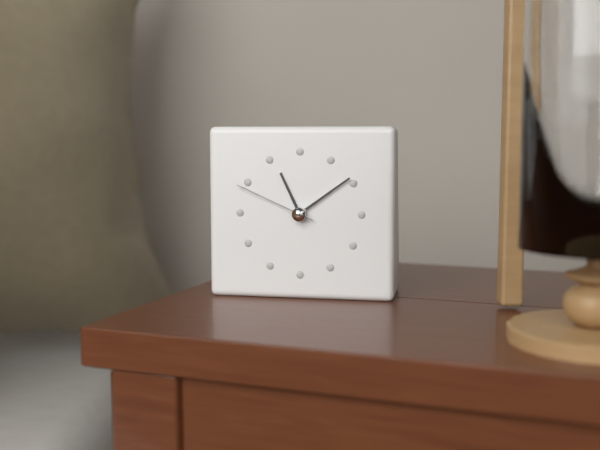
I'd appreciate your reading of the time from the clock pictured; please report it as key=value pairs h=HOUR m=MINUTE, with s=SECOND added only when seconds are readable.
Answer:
h=11 m=9 s=49
